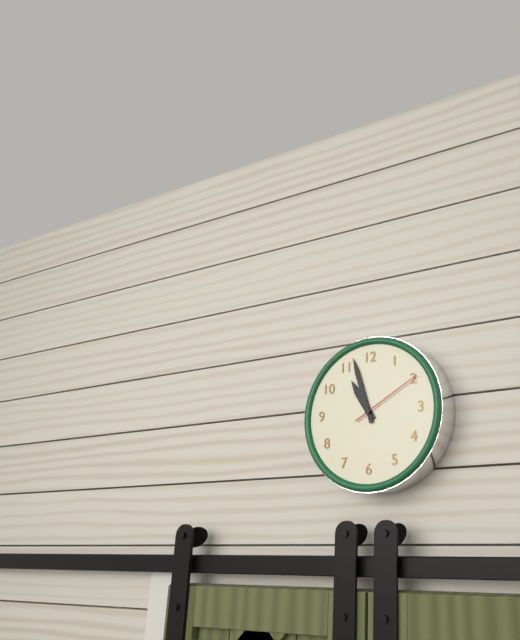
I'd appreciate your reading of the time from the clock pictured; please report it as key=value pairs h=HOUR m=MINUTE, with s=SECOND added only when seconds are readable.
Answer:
h=10 m=57 s=10
